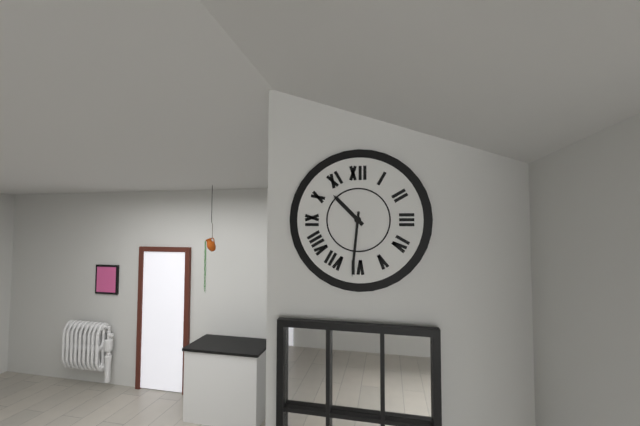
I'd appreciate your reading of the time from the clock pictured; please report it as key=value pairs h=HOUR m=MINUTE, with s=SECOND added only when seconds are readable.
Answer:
h=10 m=31
